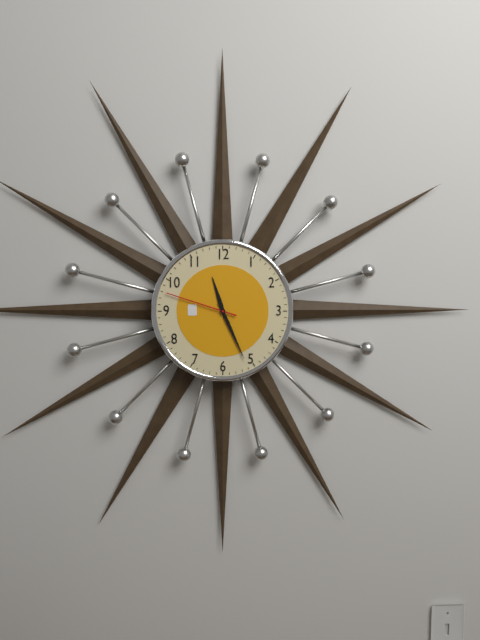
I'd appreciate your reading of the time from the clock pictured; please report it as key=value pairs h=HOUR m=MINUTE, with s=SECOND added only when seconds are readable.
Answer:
h=11 m=26 s=48
